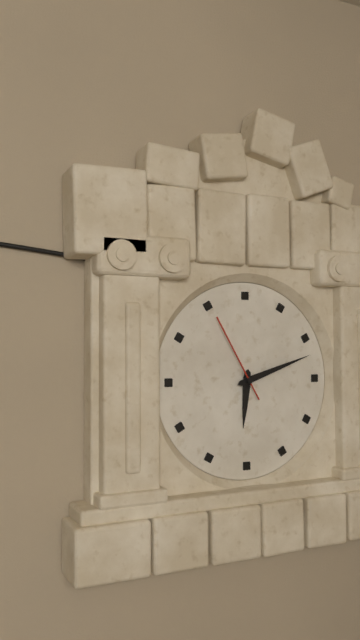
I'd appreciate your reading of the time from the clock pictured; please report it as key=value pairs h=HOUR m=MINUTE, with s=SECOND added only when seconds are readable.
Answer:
h=6 m=12 s=55
